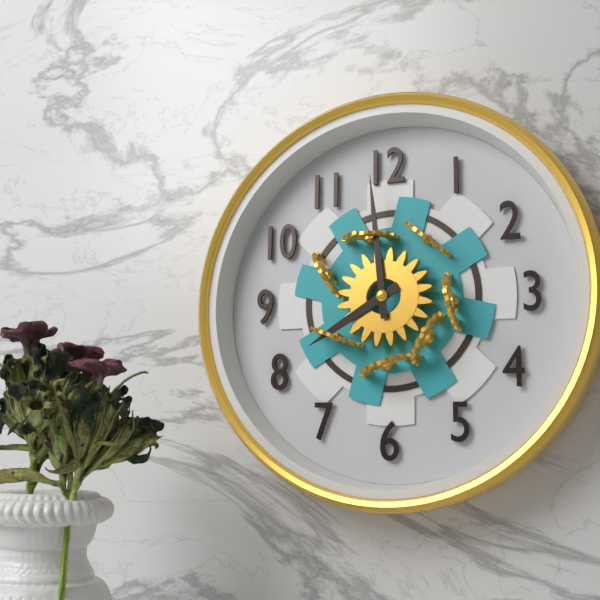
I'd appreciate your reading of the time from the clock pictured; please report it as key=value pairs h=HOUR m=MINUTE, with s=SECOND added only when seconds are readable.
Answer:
h=7 m=59
